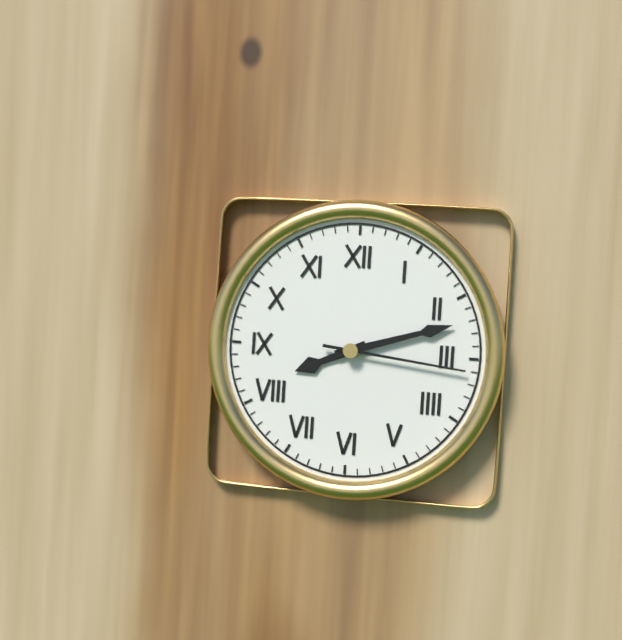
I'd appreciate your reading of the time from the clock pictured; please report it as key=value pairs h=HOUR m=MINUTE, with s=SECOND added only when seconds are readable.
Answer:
h=8 m=12 s=16
